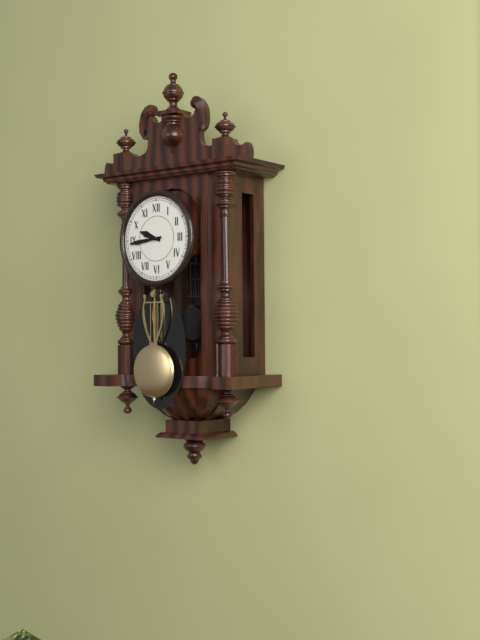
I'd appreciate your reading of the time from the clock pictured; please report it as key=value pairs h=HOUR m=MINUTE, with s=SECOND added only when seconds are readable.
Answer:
h=9 m=44
